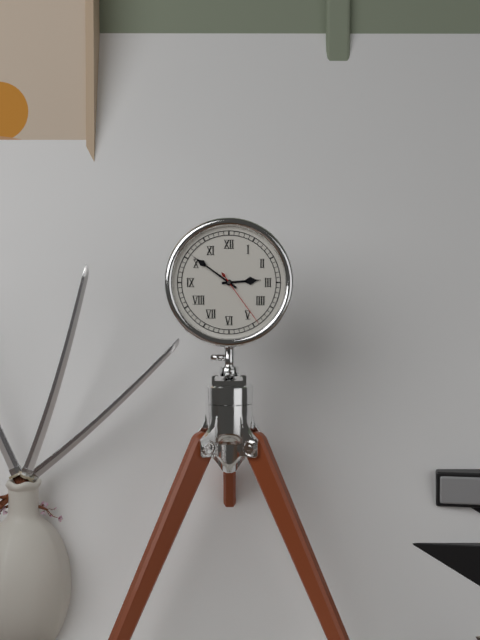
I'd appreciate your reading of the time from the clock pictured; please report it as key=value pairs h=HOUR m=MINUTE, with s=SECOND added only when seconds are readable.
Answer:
h=2 m=51 s=24
